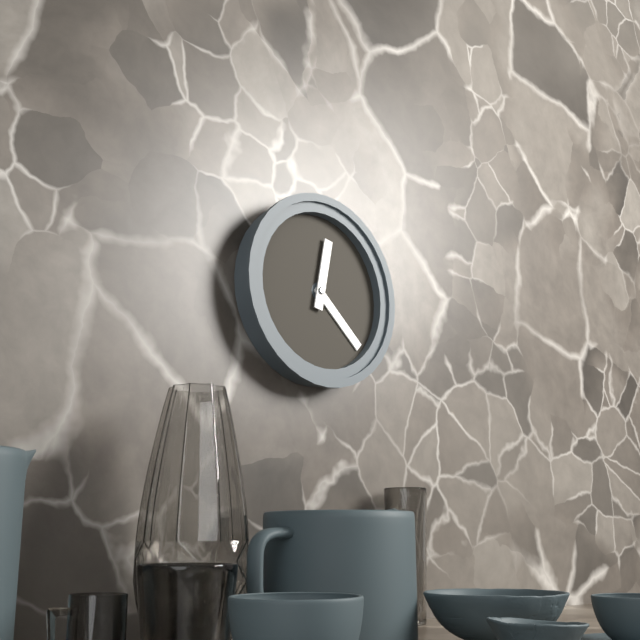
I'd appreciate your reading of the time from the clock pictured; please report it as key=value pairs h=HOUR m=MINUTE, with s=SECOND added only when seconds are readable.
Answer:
h=12 m=22
